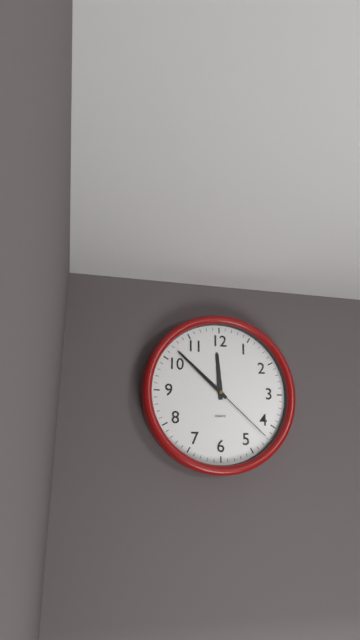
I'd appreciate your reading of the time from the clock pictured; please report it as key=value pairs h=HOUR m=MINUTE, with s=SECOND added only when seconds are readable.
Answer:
h=11 m=52 s=22
